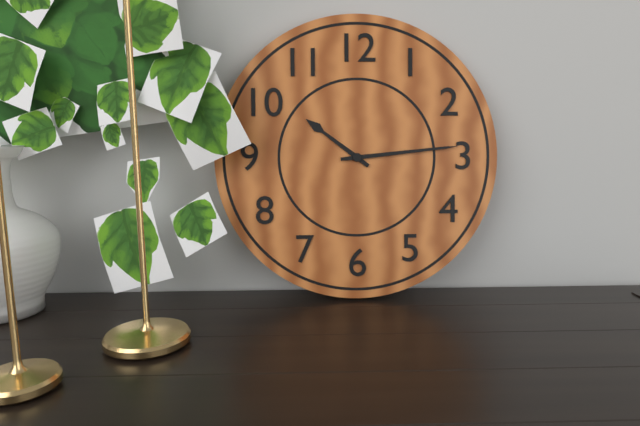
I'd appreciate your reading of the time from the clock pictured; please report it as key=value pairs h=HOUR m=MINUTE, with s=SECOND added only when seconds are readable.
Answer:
h=10 m=14
